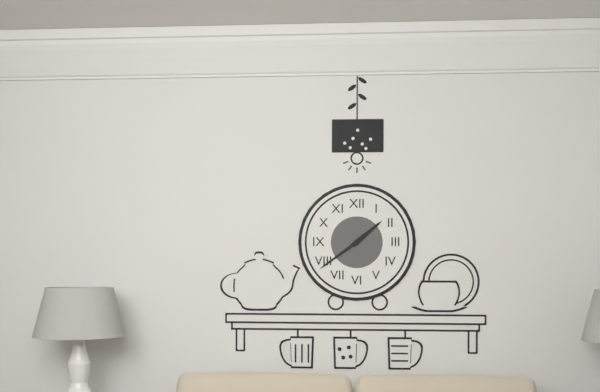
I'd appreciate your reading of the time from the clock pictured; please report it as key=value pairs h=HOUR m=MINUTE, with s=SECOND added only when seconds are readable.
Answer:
h=1 m=39
